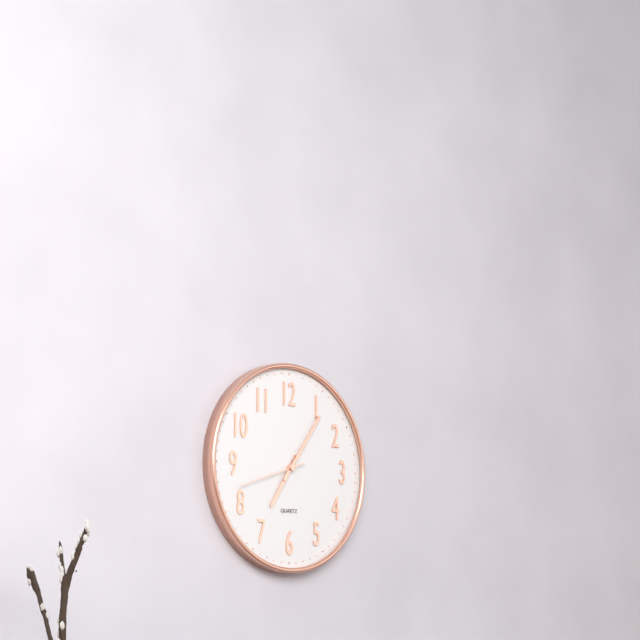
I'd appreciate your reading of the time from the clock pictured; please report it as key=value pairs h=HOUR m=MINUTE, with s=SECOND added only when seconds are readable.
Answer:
h=7 m=6 s=42
